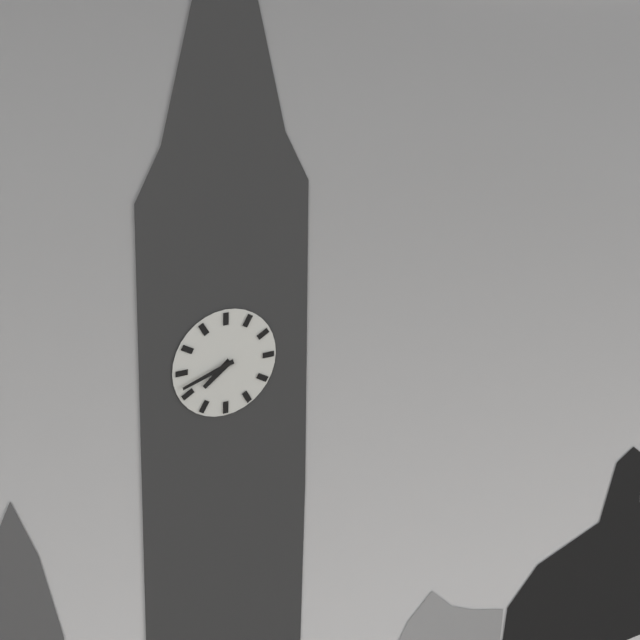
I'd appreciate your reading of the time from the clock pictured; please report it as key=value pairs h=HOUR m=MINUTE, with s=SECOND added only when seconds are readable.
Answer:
h=7 m=42
